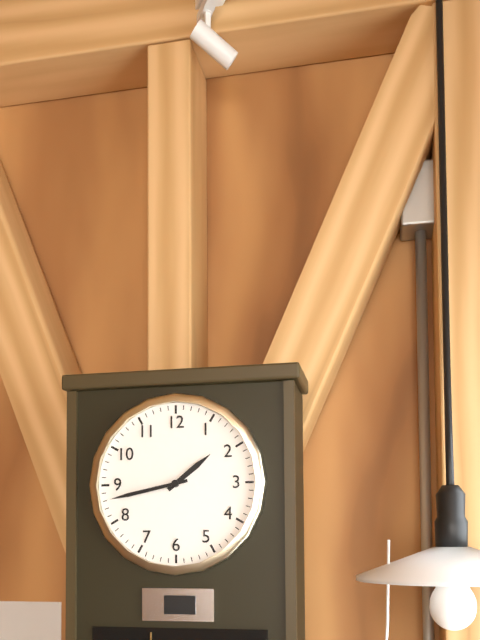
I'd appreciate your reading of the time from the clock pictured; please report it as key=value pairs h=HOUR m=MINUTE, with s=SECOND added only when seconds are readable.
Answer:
h=1 m=43
